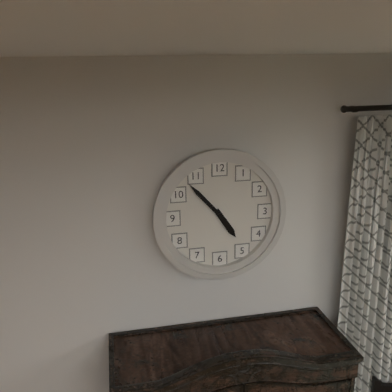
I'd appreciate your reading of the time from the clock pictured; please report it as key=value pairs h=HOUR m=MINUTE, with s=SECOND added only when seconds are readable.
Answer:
h=4 m=53
